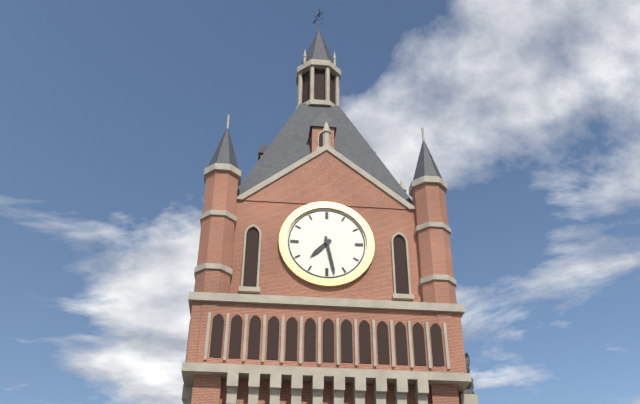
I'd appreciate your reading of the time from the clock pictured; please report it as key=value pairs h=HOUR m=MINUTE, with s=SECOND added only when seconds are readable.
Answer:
h=7 m=28
